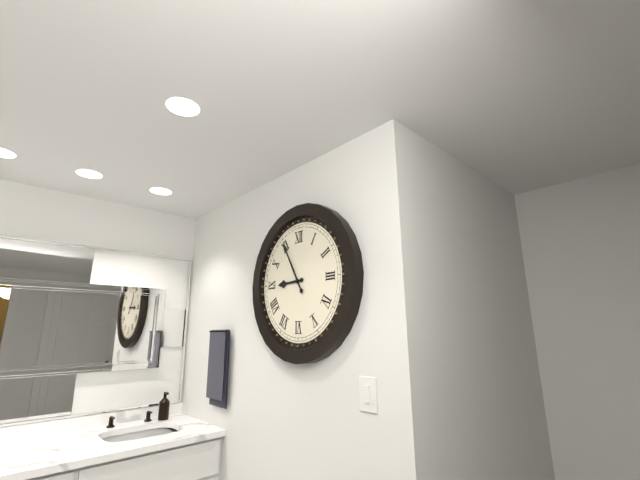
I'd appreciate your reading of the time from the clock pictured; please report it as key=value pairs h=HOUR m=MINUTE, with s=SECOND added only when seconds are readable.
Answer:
h=8 m=55
